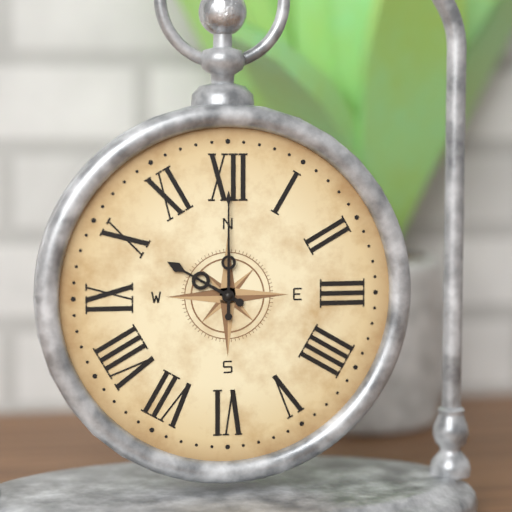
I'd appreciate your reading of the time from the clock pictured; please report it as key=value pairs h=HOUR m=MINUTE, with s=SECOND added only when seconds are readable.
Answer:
h=10 m=0
